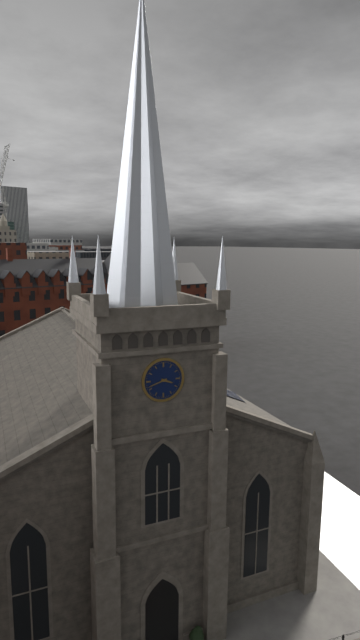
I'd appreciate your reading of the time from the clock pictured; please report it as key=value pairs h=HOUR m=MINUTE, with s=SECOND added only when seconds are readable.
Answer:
h=3 m=42
